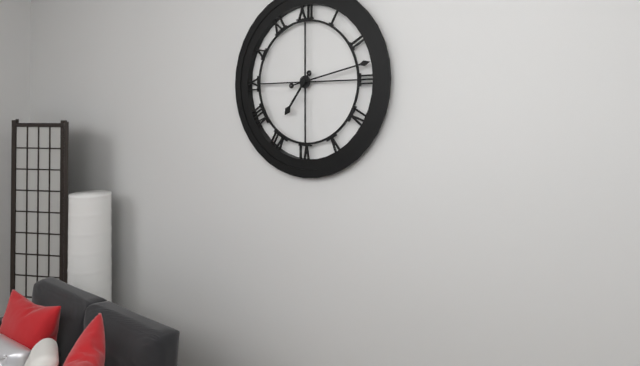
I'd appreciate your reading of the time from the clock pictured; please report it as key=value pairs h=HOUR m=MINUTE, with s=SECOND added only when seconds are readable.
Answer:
h=7 m=13
